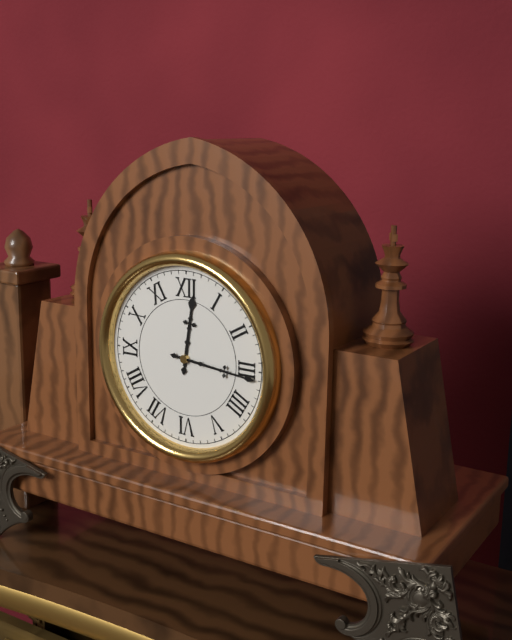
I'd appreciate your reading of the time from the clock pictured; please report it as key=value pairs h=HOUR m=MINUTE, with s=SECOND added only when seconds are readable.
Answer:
h=12 m=16
